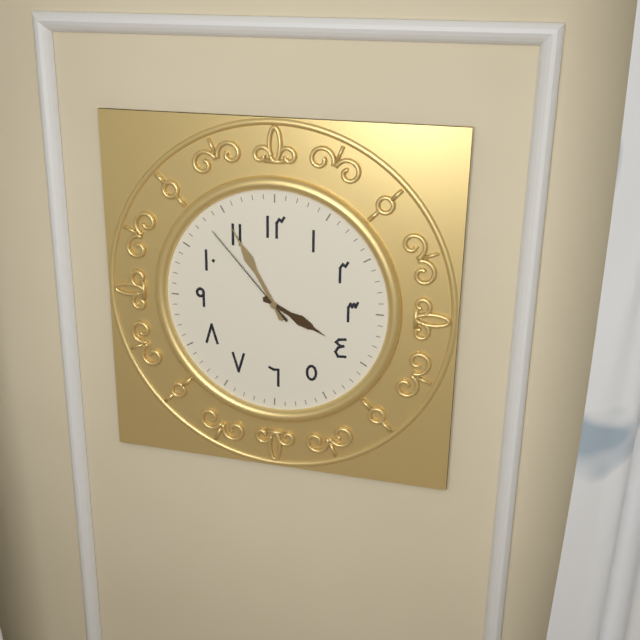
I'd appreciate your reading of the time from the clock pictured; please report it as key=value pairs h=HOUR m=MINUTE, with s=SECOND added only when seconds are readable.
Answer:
h=3 m=55 s=53
